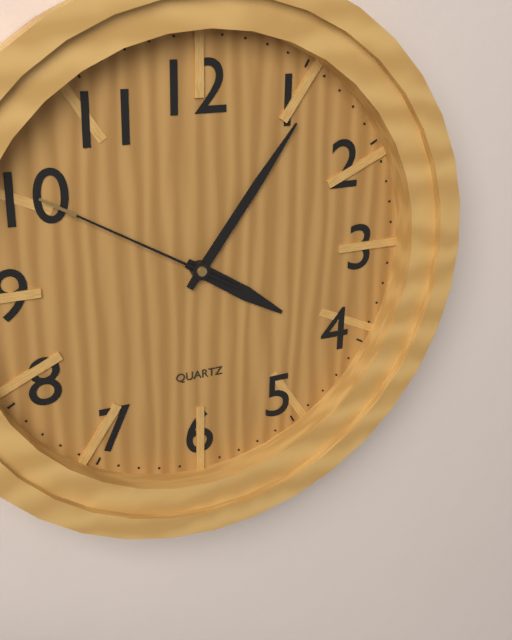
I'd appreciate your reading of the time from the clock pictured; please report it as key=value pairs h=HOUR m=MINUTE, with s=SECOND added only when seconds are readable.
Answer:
h=4 m=6 s=50
